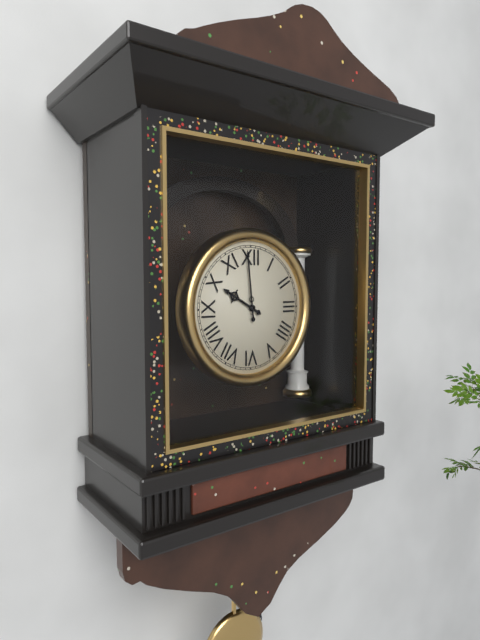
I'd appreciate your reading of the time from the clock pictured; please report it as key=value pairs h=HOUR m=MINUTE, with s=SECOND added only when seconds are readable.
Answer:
h=9 m=59
